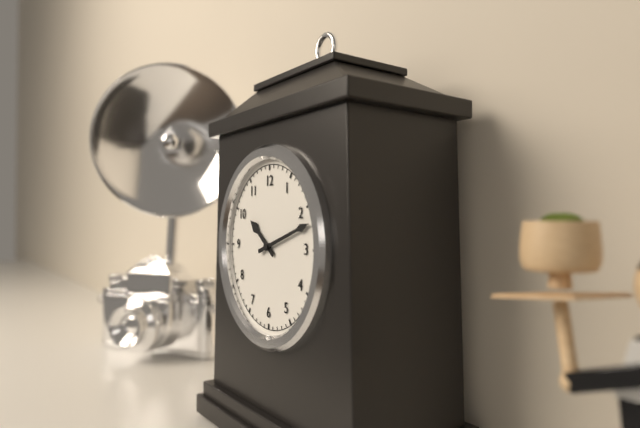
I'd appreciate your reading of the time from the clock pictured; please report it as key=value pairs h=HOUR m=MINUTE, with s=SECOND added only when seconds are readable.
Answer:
h=10 m=12
